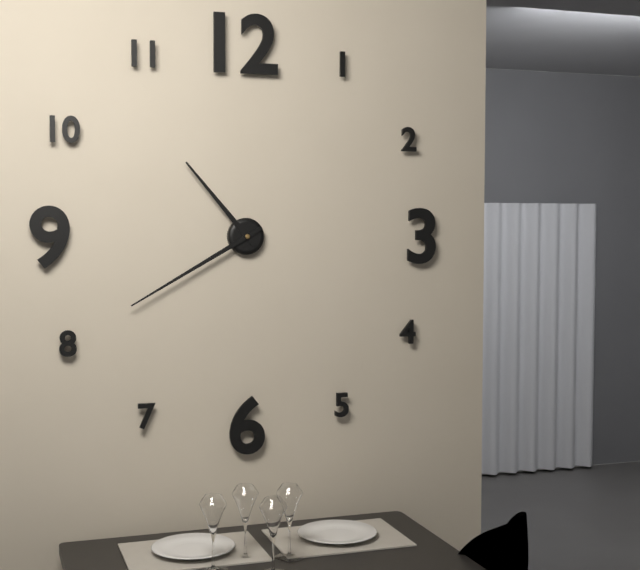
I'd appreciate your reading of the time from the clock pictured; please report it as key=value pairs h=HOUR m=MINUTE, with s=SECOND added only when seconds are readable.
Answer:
h=10 m=40
